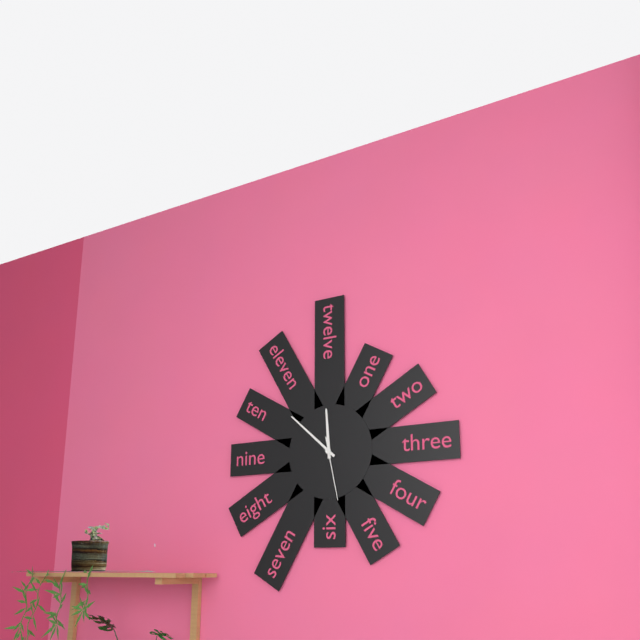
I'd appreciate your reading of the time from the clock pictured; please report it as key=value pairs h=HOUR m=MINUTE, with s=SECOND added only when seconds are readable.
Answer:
h=11 m=52 s=28
